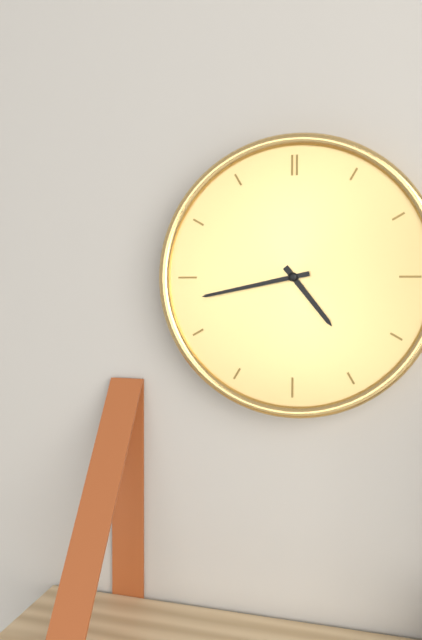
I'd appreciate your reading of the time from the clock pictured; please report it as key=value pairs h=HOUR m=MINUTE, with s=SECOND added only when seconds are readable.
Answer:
h=4 m=43
